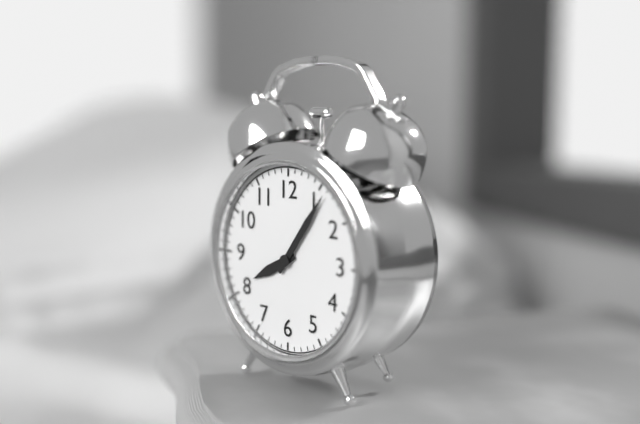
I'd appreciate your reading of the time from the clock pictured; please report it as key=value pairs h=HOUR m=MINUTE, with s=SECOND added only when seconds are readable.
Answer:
h=8 m=6
